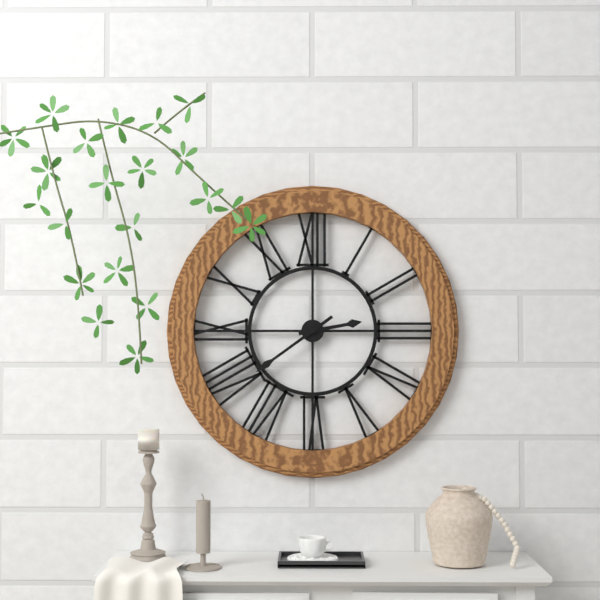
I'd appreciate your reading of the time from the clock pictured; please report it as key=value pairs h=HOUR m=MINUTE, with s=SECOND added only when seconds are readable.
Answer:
h=2 m=39
